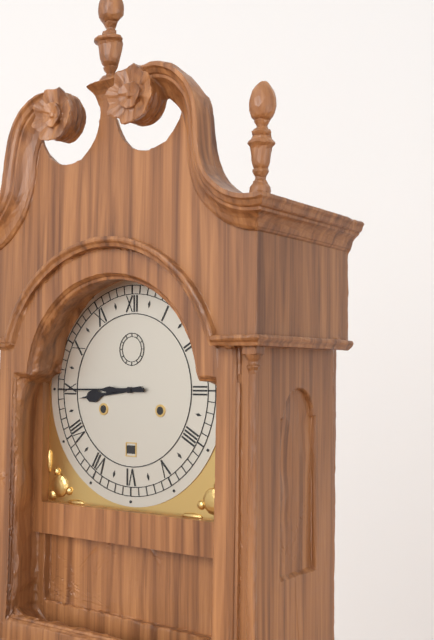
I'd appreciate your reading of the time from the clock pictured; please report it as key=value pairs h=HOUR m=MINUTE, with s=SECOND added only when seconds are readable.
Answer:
h=8 m=45
